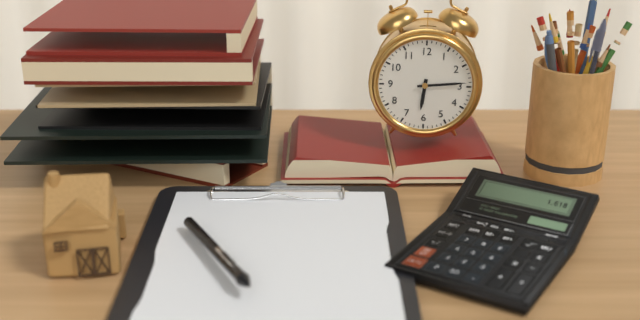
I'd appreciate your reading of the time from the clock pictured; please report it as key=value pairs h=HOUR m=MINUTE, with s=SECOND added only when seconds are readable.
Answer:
h=6 m=14
